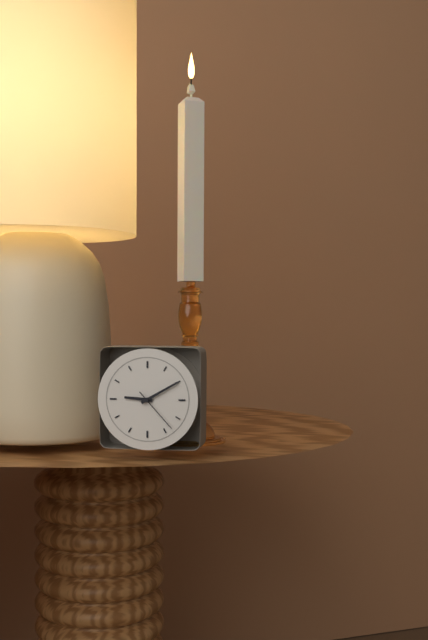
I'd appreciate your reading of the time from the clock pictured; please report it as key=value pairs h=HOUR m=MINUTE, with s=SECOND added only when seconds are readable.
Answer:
h=9 m=10
